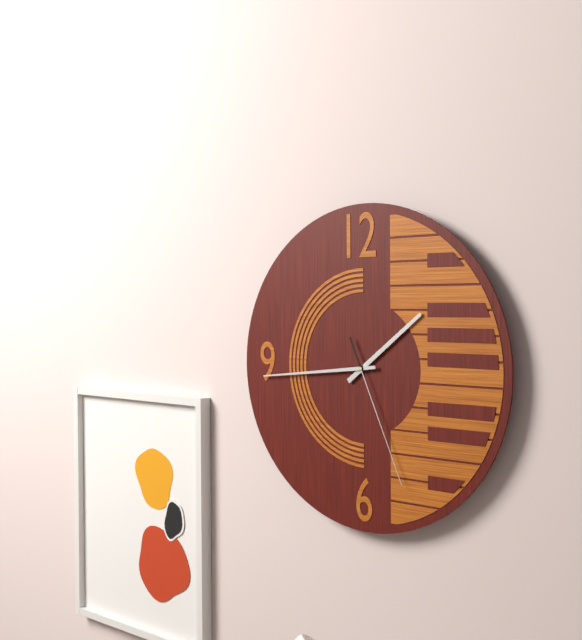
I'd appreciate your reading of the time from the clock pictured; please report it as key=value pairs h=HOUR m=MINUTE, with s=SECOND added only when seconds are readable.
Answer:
h=1 m=44 s=26
